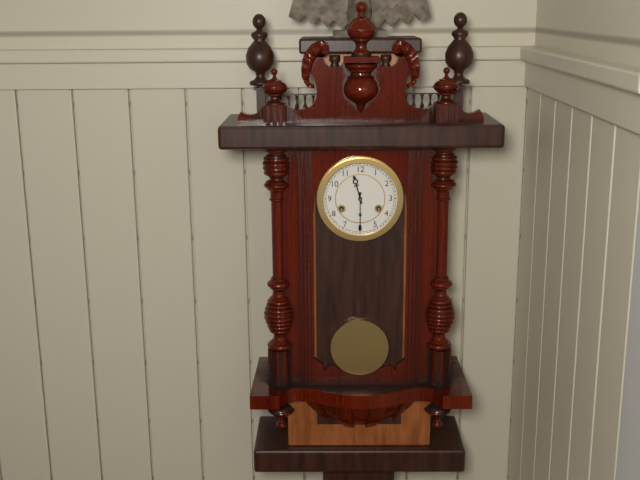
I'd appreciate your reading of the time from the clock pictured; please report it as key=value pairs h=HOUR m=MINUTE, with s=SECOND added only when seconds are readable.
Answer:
h=11 m=30
